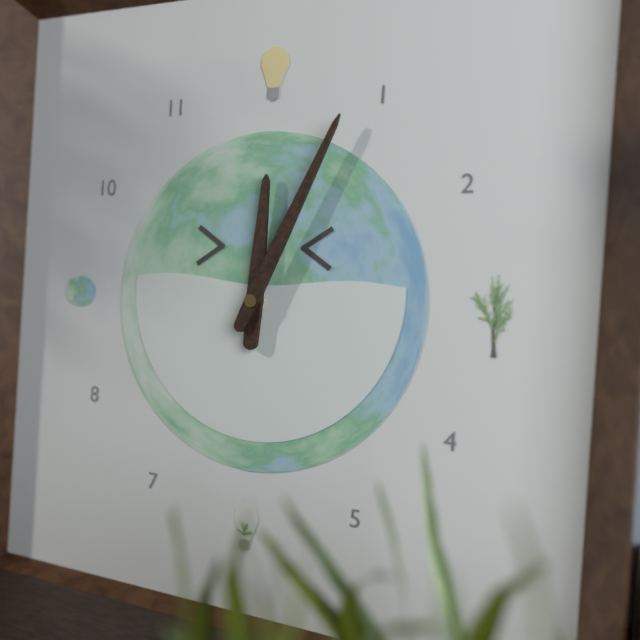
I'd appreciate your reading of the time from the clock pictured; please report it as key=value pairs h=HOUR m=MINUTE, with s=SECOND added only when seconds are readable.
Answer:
h=12 m=4
